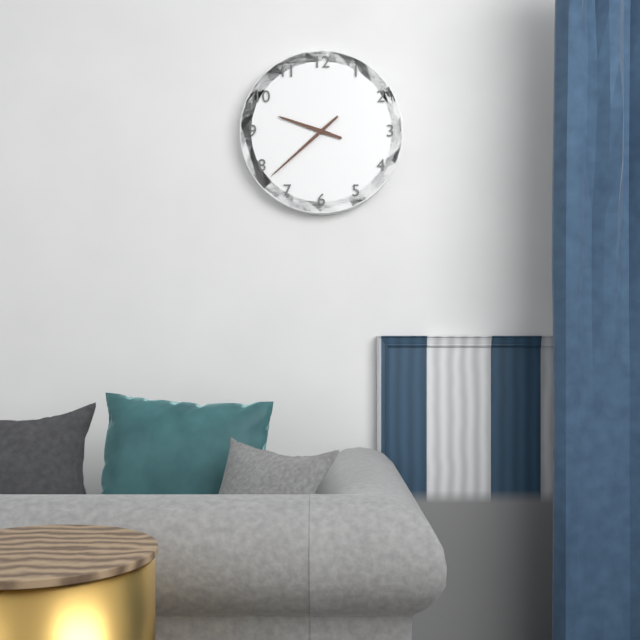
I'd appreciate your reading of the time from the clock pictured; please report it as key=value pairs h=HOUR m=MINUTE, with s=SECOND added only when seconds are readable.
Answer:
h=9 m=38
